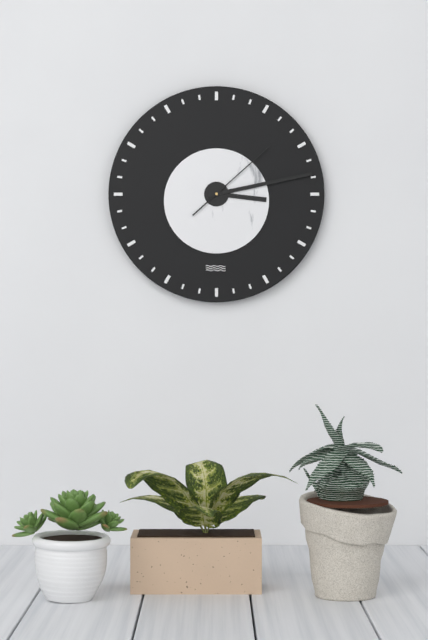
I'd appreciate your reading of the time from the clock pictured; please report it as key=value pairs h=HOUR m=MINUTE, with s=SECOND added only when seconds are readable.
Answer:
h=3 m=13 s=8
